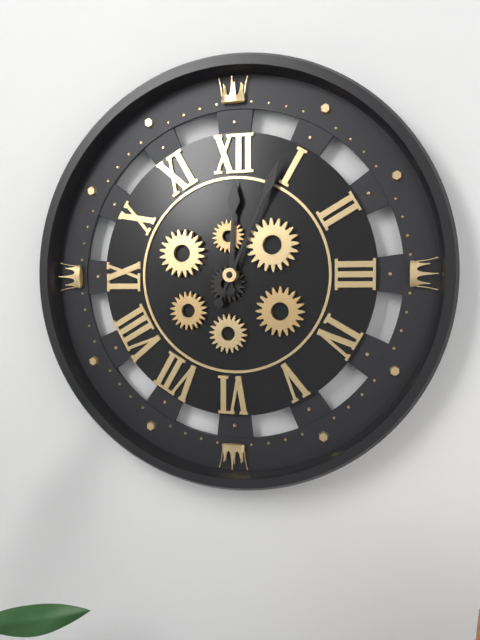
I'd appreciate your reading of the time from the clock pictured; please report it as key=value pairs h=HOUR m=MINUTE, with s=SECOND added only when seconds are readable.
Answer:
h=12 m=4
